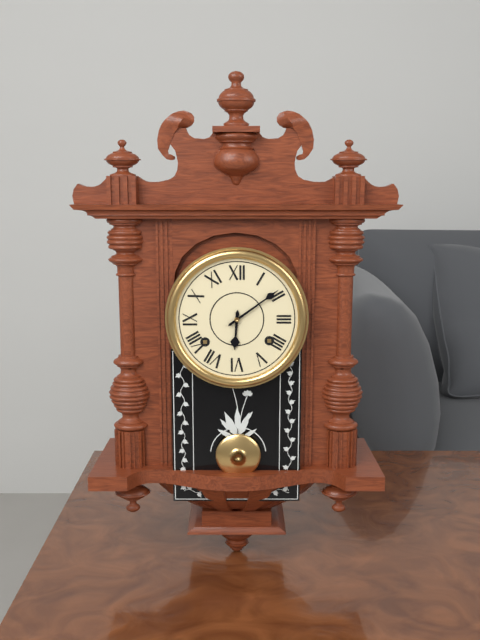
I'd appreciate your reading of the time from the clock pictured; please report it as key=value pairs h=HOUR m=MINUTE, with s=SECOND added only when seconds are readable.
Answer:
h=6 m=9
